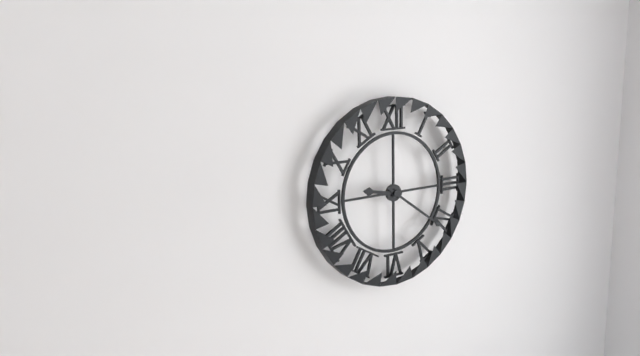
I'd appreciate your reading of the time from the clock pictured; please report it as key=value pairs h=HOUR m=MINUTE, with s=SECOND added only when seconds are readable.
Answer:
h=9 m=21
